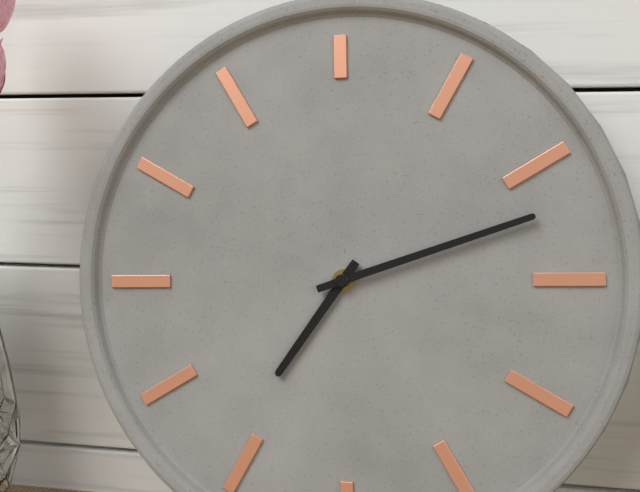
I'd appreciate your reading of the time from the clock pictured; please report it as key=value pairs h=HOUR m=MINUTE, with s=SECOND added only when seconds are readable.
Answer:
h=7 m=12
